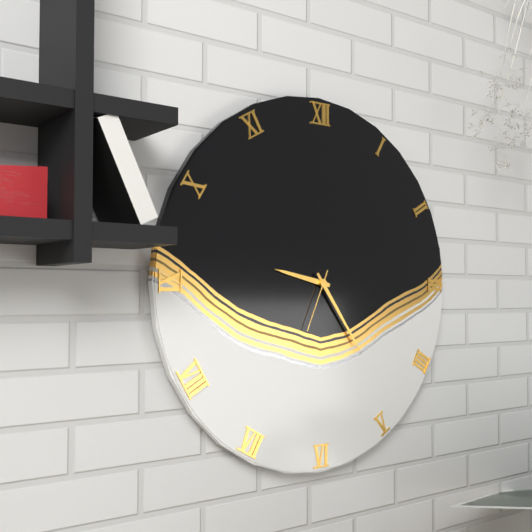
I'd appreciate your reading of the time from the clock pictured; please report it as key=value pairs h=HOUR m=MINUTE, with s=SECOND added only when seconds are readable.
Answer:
h=9 m=24 s=34
